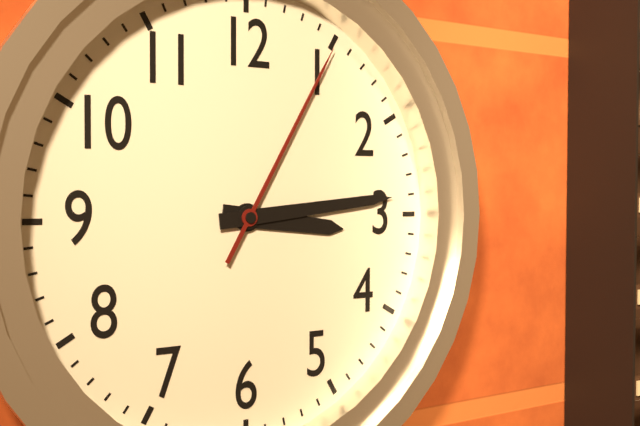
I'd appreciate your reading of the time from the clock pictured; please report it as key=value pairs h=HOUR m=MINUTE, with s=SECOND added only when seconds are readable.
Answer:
h=3 m=14 s=5
